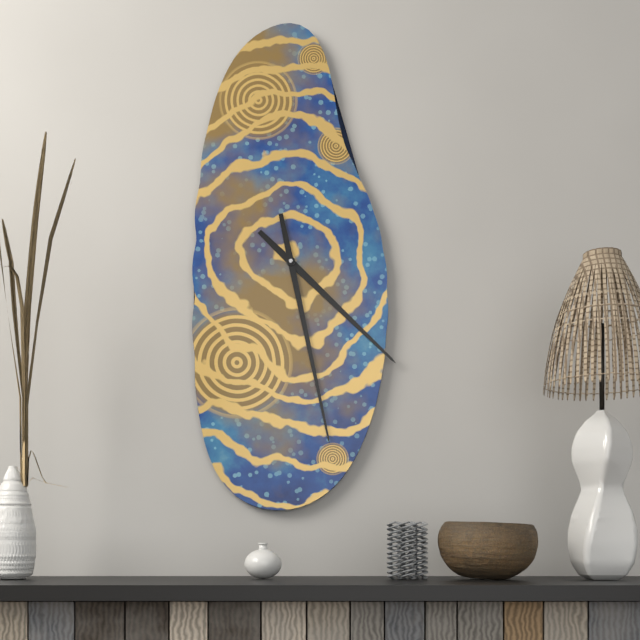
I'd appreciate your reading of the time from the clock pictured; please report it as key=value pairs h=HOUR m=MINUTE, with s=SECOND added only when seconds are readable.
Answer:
h=4 m=28
